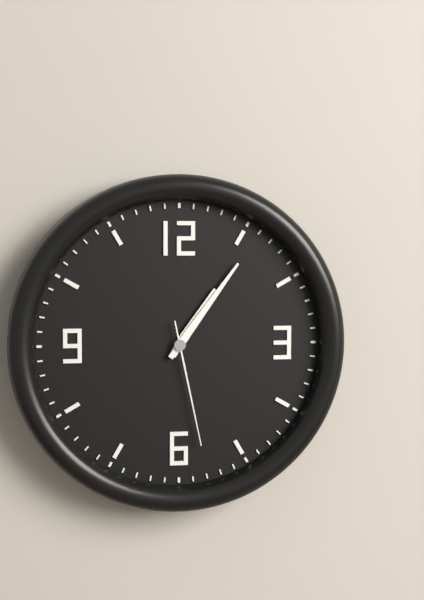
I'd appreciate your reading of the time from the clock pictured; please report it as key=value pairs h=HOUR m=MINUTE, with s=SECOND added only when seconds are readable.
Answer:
h=1 m=6 s=28
